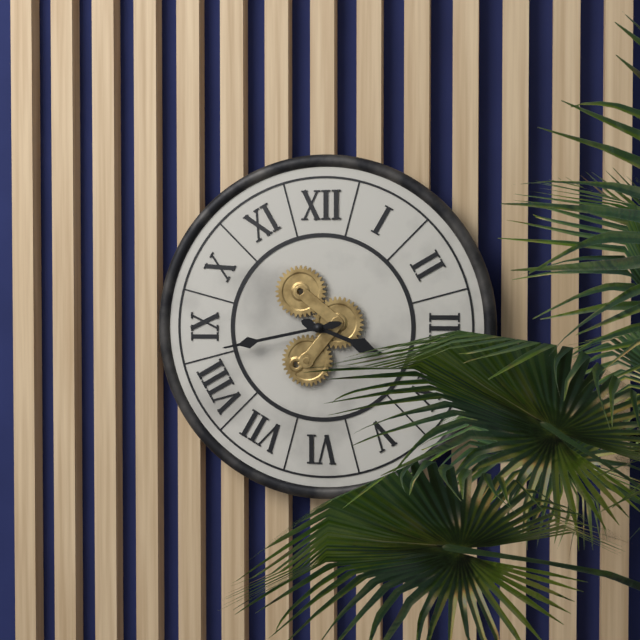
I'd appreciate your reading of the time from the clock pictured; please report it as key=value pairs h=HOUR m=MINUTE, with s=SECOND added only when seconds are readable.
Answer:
h=3 m=43
